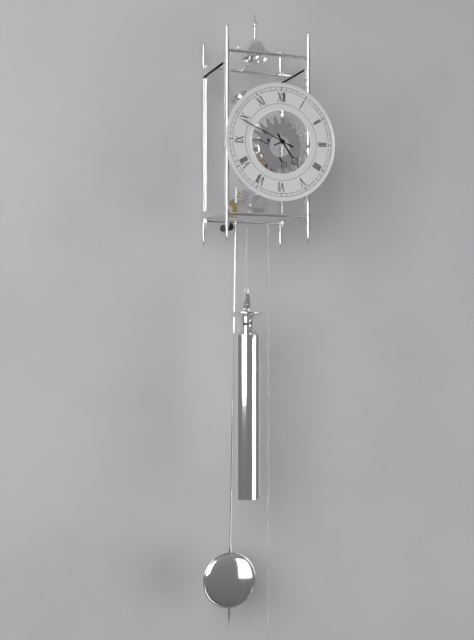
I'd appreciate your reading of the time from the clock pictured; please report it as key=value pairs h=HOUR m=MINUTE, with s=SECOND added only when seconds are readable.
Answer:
h=4 m=49
